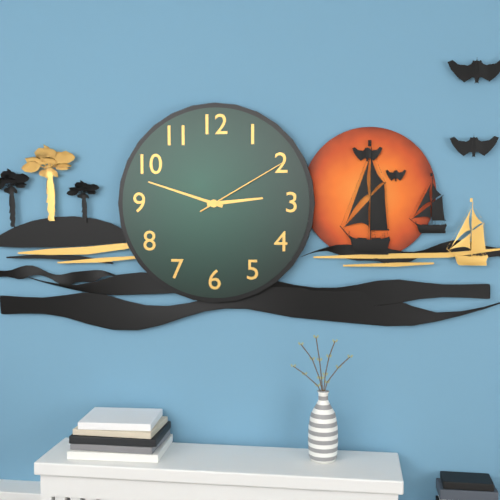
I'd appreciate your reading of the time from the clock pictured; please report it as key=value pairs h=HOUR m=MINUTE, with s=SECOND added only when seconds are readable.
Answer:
h=2 m=48 s=10
